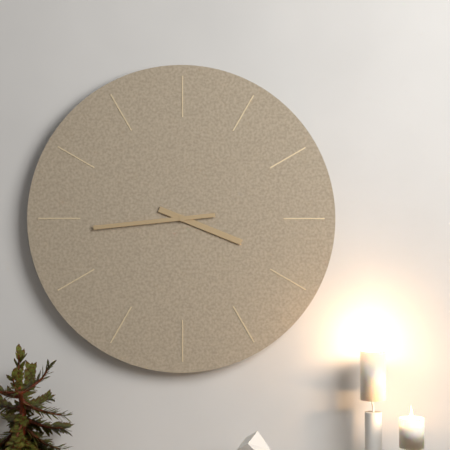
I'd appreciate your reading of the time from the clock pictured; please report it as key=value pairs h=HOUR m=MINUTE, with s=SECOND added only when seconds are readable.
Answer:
h=3 m=44
